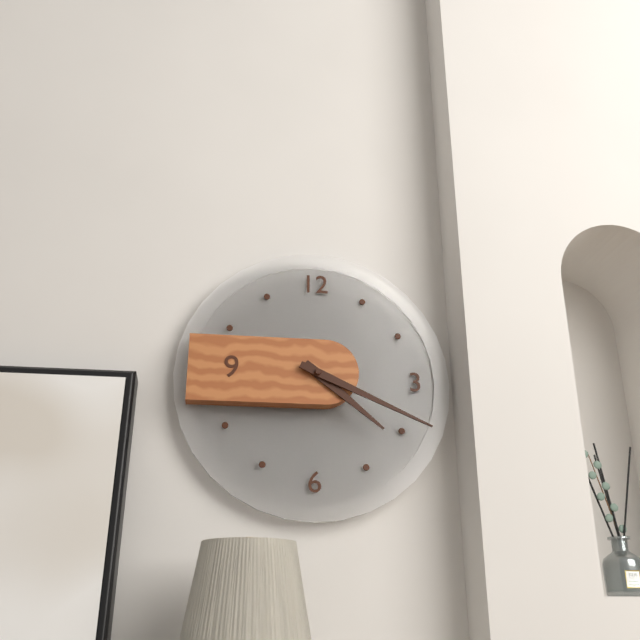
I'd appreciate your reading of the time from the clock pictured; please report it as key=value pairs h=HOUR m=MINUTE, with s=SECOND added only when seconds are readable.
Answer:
h=4 m=19
